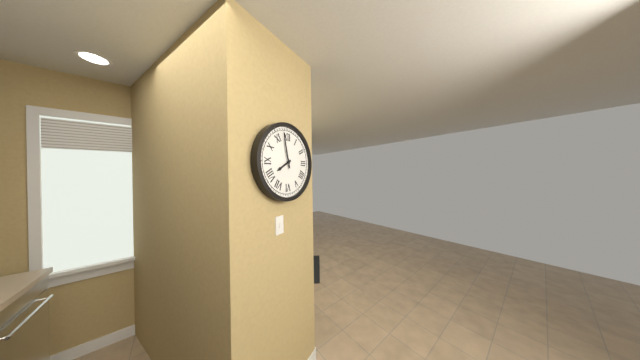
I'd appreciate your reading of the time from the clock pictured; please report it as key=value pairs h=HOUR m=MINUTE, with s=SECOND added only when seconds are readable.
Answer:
h=7 m=58
